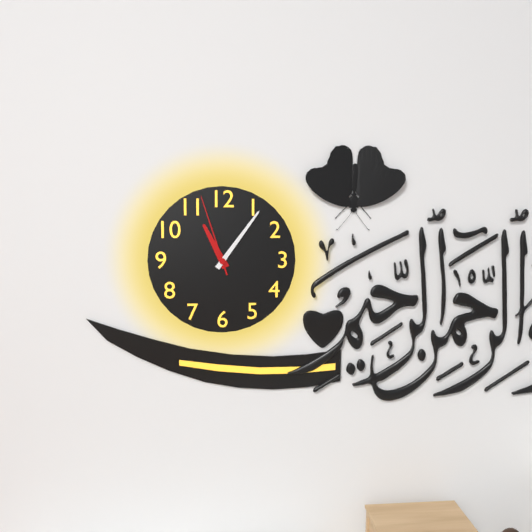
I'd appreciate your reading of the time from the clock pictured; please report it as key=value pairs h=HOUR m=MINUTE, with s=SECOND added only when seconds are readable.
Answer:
h=11 m=6 s=57
